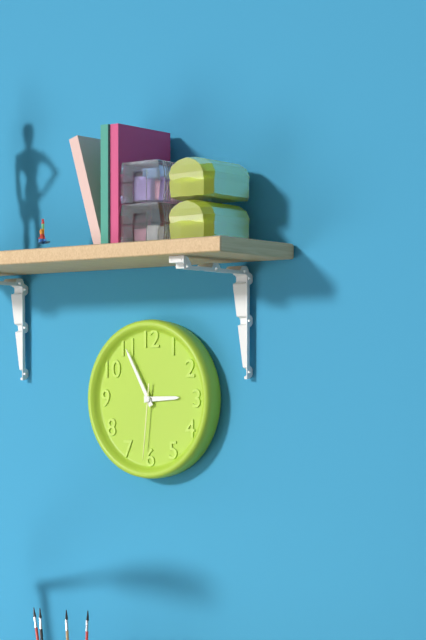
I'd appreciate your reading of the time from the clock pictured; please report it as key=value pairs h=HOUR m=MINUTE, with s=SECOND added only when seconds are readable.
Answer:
h=2 m=55 s=31
